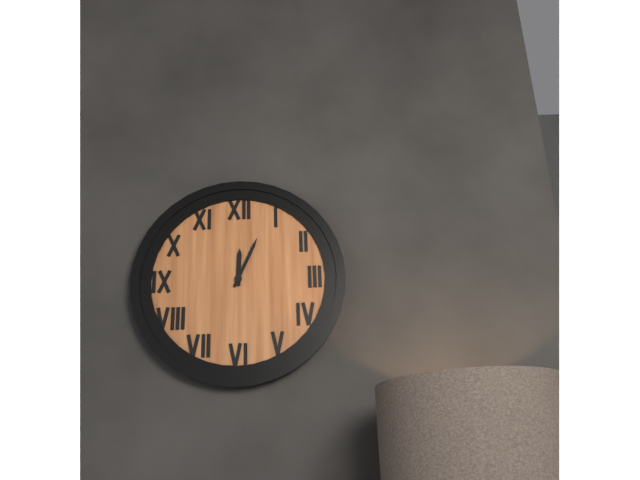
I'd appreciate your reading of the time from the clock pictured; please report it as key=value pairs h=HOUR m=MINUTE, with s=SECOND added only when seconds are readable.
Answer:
h=12 m=4
